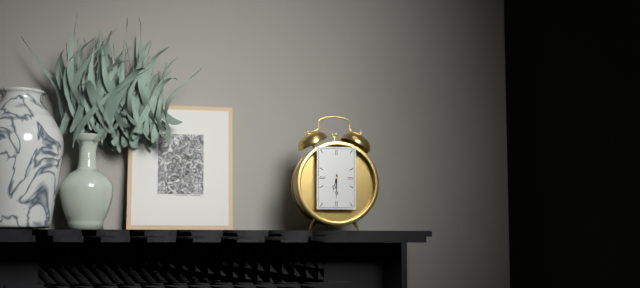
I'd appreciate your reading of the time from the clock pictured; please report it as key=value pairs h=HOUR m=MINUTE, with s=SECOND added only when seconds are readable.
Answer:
h=6 m=30
